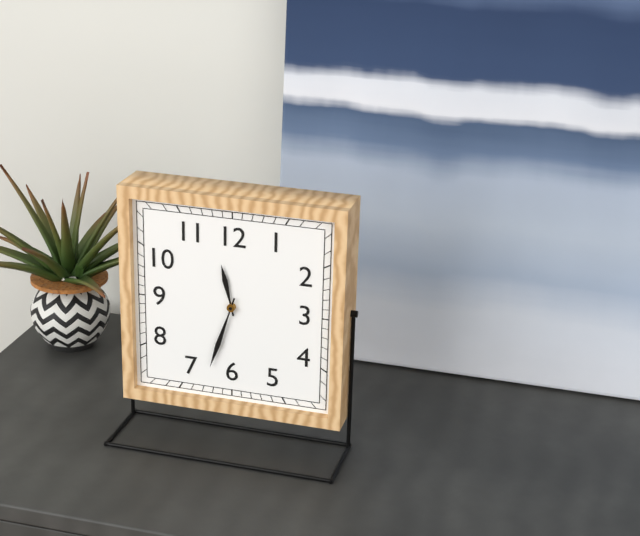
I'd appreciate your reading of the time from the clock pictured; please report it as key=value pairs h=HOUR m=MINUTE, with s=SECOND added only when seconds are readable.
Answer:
h=11 m=33
